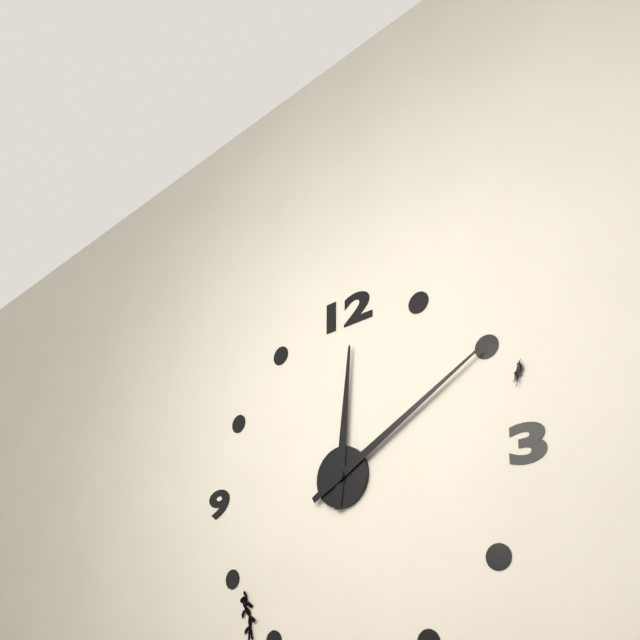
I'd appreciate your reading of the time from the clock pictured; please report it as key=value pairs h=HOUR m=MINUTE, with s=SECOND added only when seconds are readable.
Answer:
h=12 m=10
